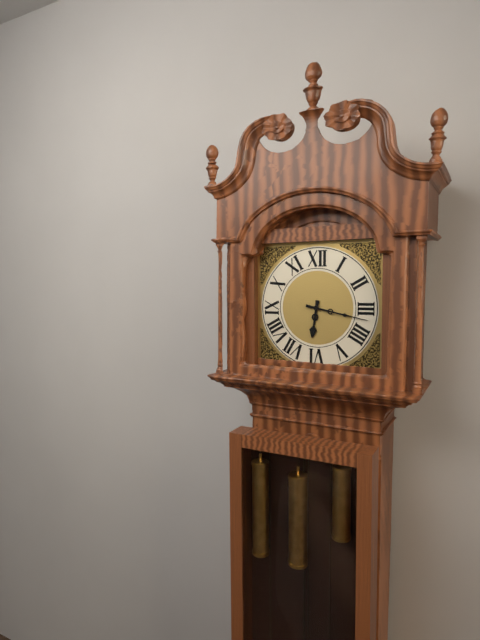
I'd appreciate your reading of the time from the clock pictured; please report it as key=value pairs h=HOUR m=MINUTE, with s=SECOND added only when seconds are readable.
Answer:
h=6 m=17
